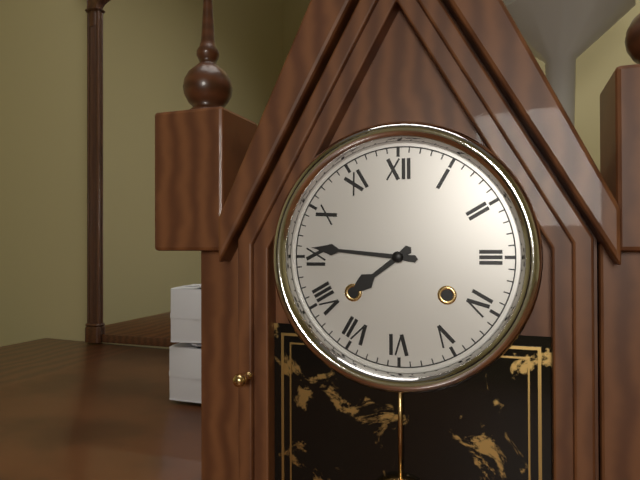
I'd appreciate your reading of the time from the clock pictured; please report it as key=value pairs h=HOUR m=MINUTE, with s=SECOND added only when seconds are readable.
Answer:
h=7 m=46
